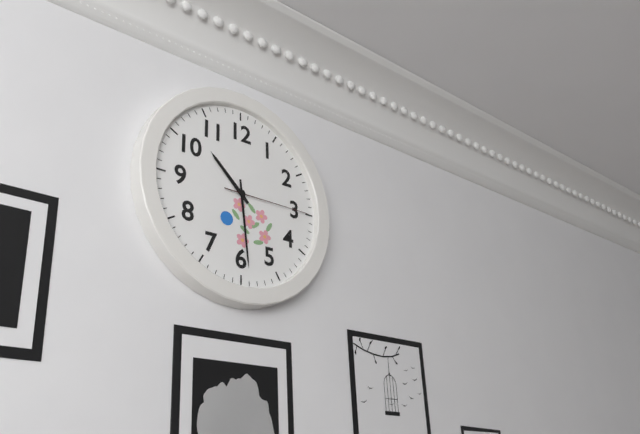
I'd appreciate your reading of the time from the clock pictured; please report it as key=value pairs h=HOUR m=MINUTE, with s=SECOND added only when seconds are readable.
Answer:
h=10 m=29 s=15
